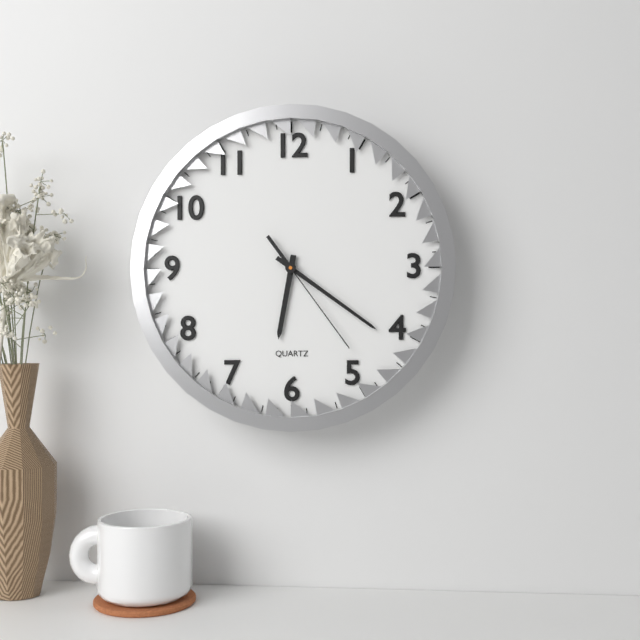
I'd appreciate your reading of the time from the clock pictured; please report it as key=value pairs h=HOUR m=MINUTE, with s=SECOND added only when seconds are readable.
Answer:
h=6 m=21 s=24
